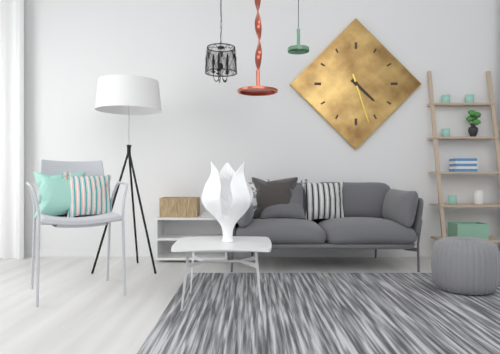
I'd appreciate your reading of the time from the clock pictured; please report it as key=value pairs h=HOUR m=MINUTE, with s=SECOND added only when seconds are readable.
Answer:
h=4 m=27
